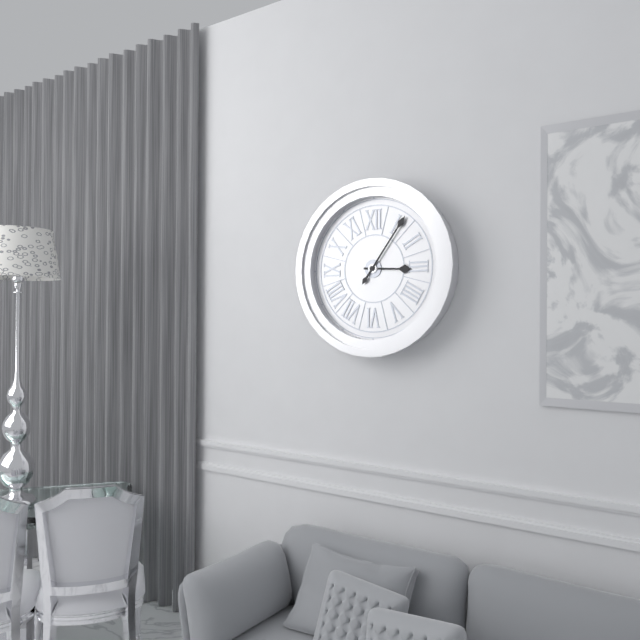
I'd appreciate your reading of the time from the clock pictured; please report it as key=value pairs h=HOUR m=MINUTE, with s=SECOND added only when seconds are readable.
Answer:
h=3 m=6
